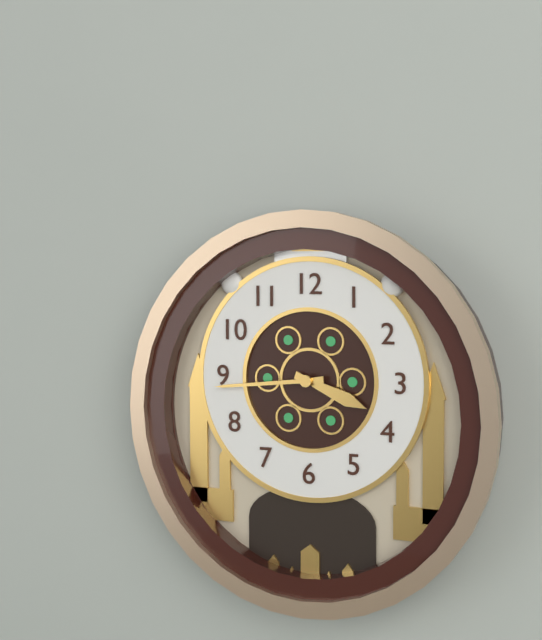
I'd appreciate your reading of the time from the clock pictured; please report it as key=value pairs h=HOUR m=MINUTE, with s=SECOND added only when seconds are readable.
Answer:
h=3 m=44
